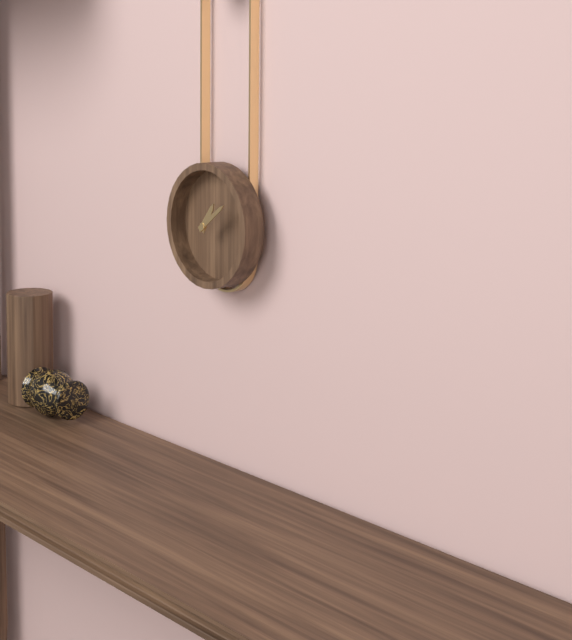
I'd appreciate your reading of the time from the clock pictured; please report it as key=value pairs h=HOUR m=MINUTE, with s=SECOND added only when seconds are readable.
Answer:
h=1 m=9
